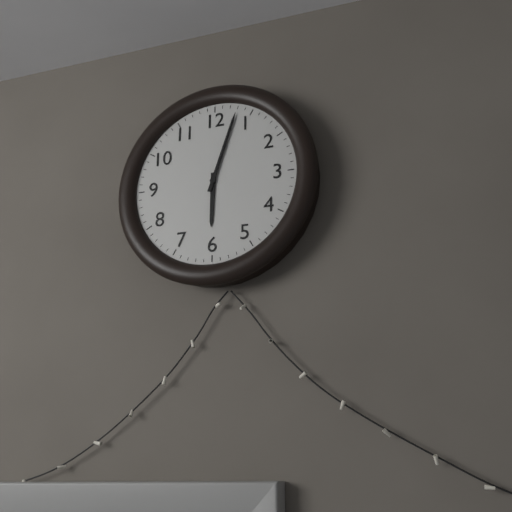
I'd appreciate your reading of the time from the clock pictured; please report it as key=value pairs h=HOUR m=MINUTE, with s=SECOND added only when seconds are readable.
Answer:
h=6 m=3
